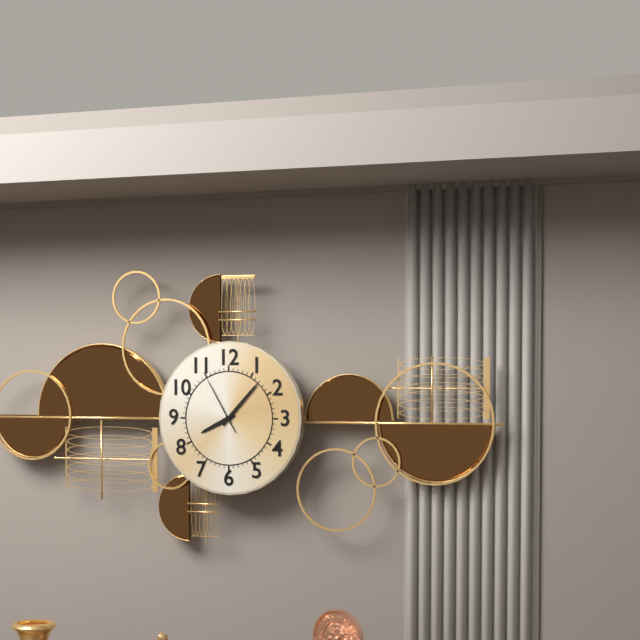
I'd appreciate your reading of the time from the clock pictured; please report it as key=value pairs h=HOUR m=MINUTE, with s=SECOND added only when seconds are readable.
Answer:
h=8 m=7 s=55
